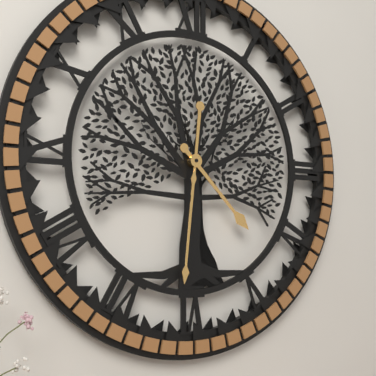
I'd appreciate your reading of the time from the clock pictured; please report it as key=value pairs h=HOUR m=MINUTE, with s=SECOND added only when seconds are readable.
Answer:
h=4 m=31
